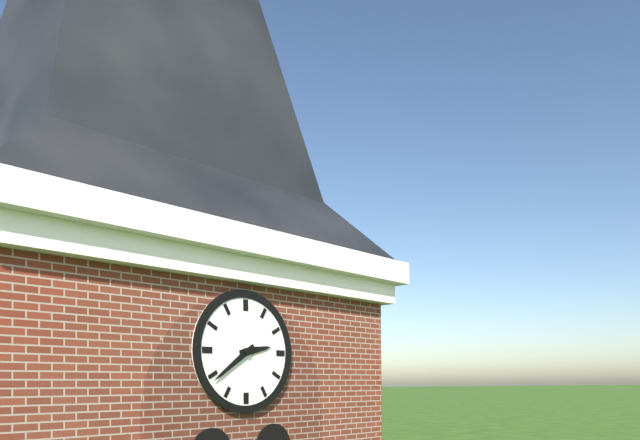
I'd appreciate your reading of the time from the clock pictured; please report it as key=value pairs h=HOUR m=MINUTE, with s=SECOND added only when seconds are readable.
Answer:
h=2 m=39
